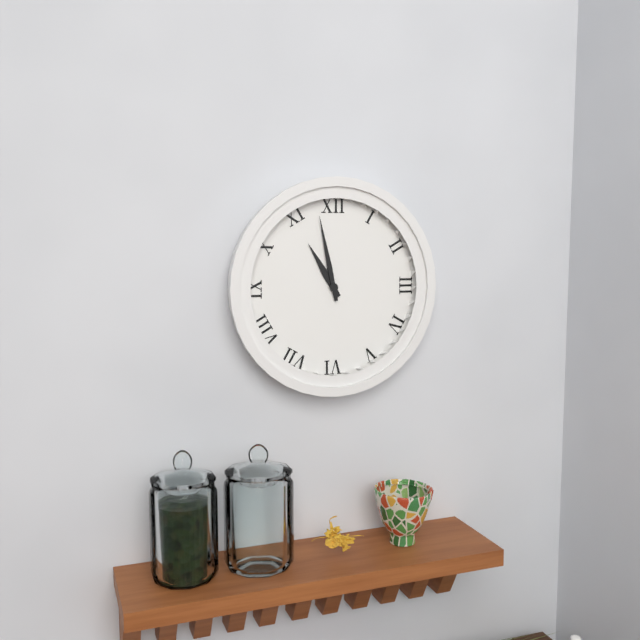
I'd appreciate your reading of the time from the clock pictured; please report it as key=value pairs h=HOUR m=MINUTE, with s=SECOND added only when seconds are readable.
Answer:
h=10 m=58
